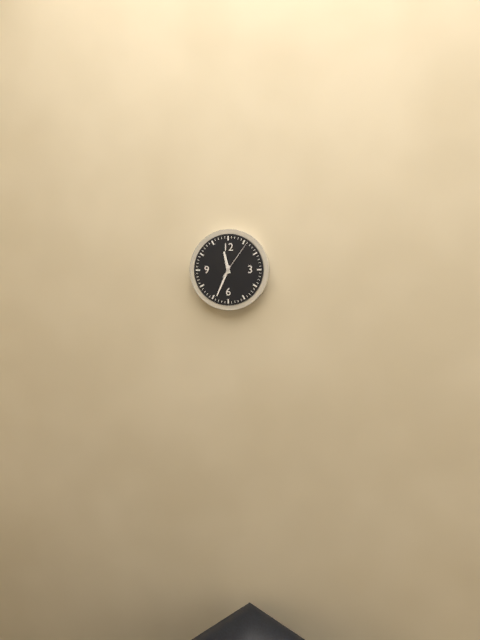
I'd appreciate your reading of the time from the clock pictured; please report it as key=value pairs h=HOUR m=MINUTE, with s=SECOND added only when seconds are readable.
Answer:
h=11 m=34
